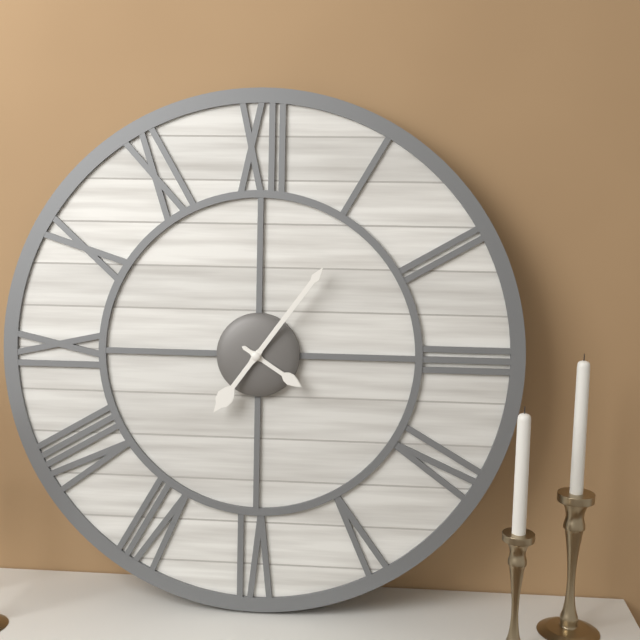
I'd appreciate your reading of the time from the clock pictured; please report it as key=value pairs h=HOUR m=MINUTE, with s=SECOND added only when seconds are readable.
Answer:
h=4 m=6
